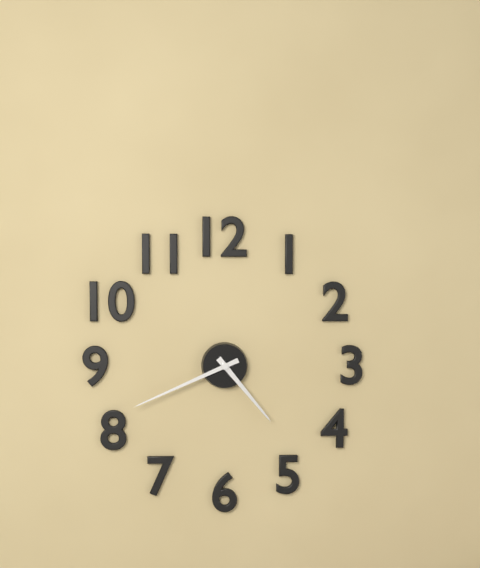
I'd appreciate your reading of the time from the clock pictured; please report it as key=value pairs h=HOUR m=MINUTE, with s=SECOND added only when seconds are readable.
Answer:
h=4 m=41
